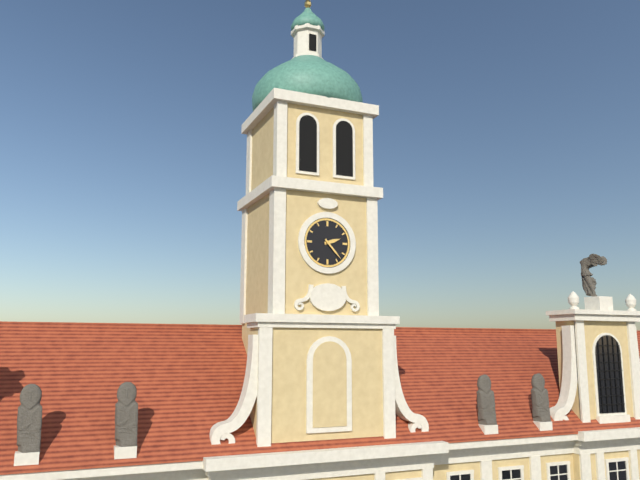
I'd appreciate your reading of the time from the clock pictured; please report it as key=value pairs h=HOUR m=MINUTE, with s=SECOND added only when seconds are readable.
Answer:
h=2 m=23
